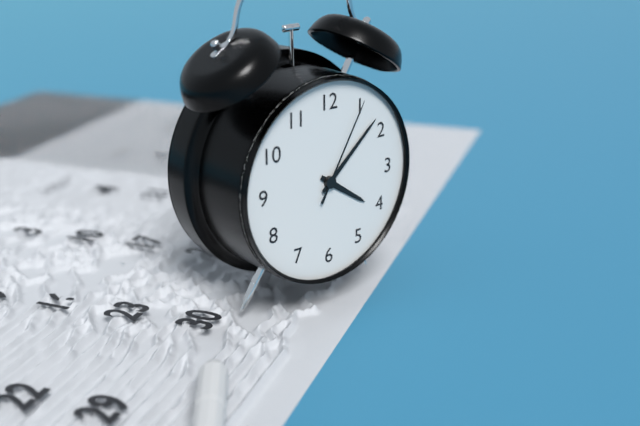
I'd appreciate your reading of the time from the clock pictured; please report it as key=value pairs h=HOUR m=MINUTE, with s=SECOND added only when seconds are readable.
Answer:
h=4 m=8 s=5
